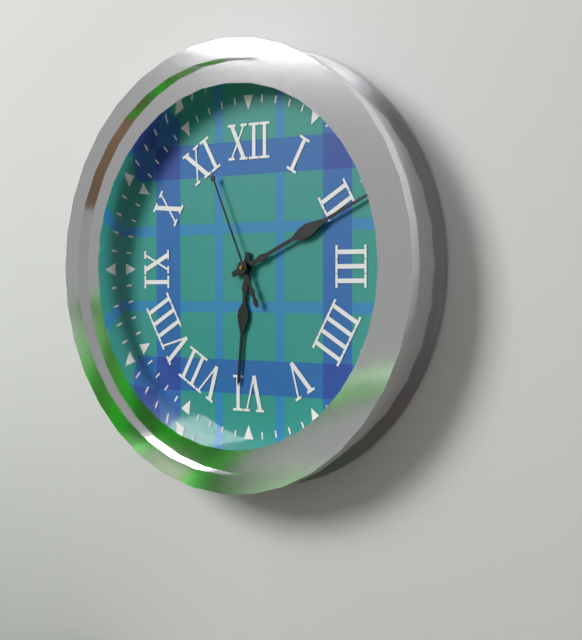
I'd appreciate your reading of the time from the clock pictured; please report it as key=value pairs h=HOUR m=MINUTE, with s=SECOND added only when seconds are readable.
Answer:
h=6 m=11 s=56
